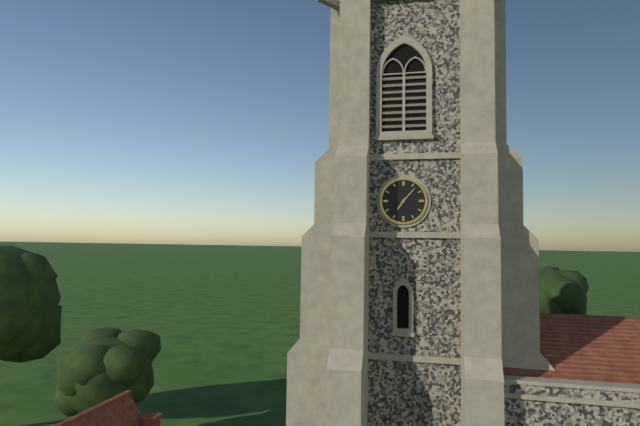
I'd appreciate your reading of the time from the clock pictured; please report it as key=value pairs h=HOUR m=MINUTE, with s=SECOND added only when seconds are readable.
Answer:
h=7 m=7
